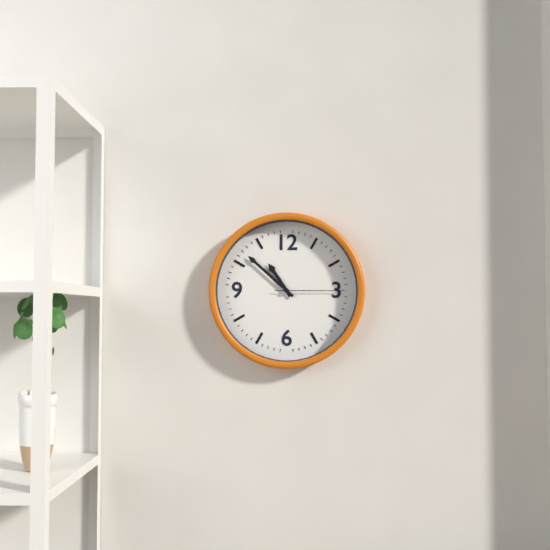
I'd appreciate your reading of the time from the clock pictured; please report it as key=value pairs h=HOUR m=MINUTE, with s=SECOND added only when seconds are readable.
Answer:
h=10 m=52 s=15
